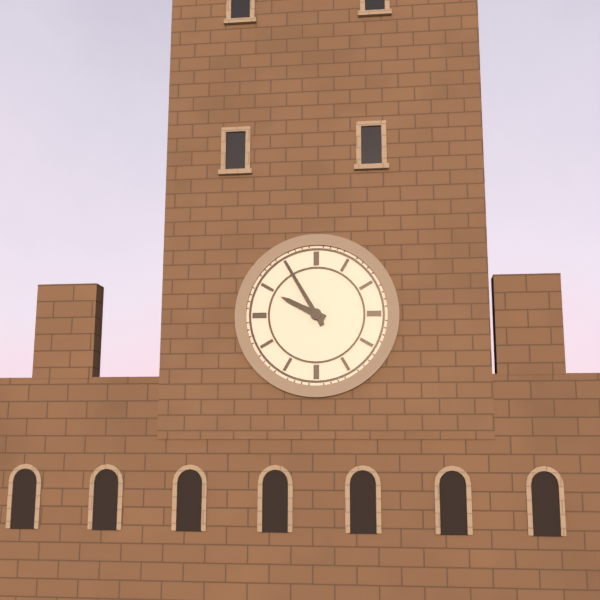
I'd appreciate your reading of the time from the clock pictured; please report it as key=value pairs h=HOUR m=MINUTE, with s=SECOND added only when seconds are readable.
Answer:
h=9 m=55
